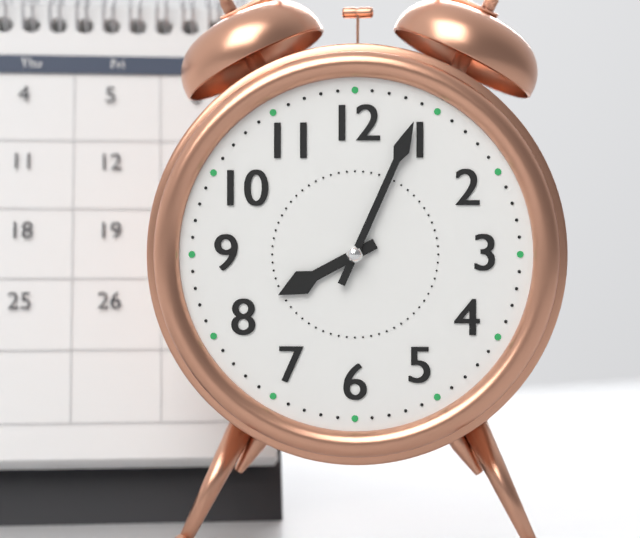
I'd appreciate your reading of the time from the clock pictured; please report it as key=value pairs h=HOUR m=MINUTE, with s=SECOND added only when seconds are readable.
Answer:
h=8 m=4
